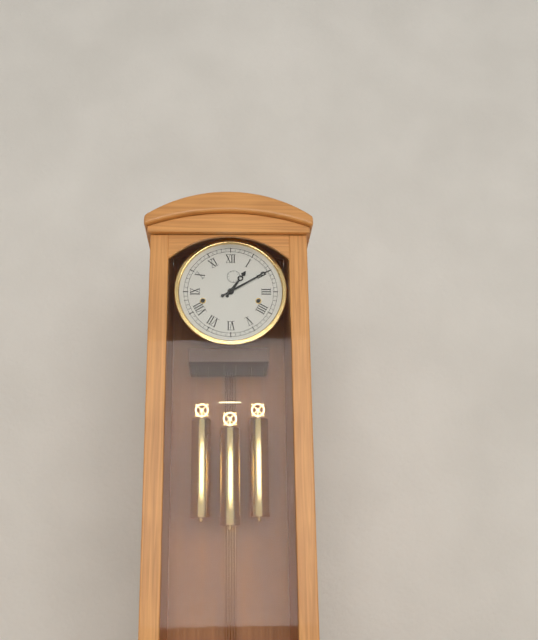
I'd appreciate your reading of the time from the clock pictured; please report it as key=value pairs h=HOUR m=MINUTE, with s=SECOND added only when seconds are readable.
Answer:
h=1 m=10
